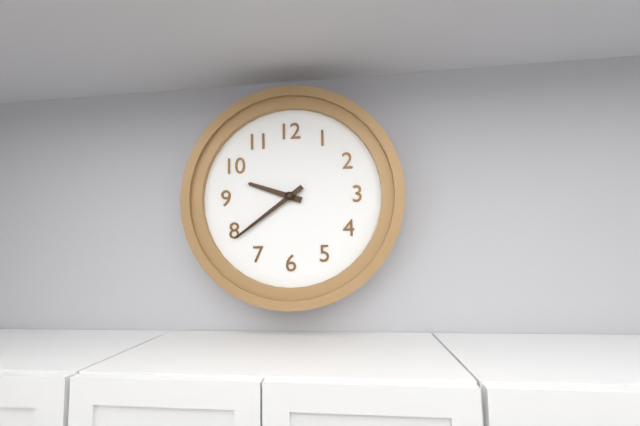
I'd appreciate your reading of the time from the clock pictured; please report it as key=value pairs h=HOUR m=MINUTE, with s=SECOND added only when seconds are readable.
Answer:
h=9 m=39
